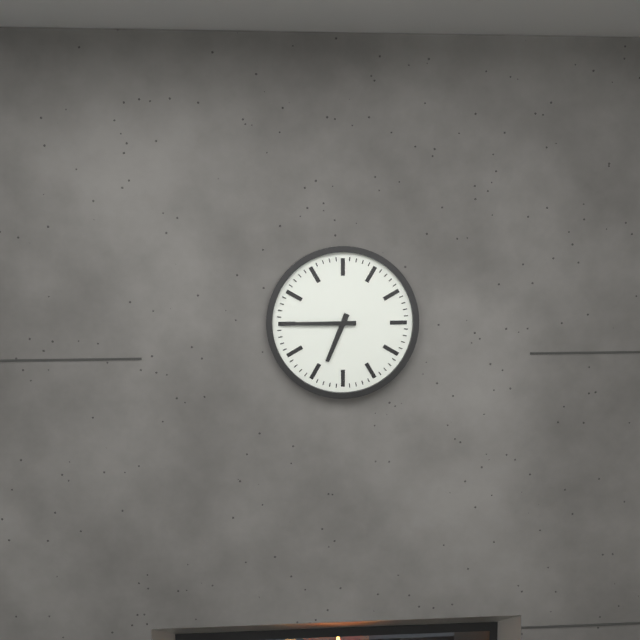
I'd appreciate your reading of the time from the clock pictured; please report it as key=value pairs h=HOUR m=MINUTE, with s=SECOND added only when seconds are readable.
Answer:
h=6 m=45
